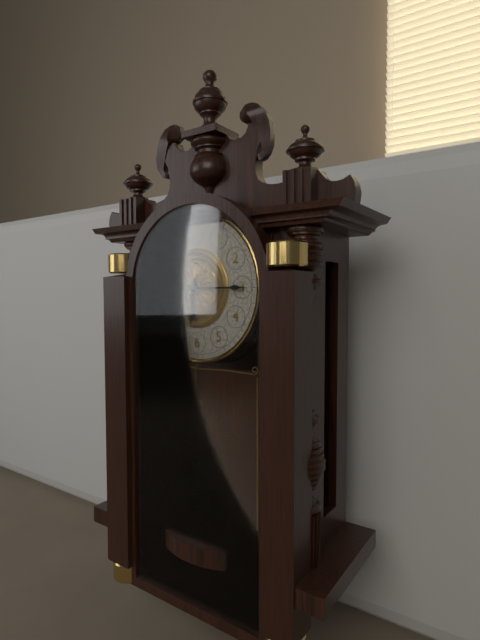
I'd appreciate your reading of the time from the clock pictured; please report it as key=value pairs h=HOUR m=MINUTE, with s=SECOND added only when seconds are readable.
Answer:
h=6 m=15
